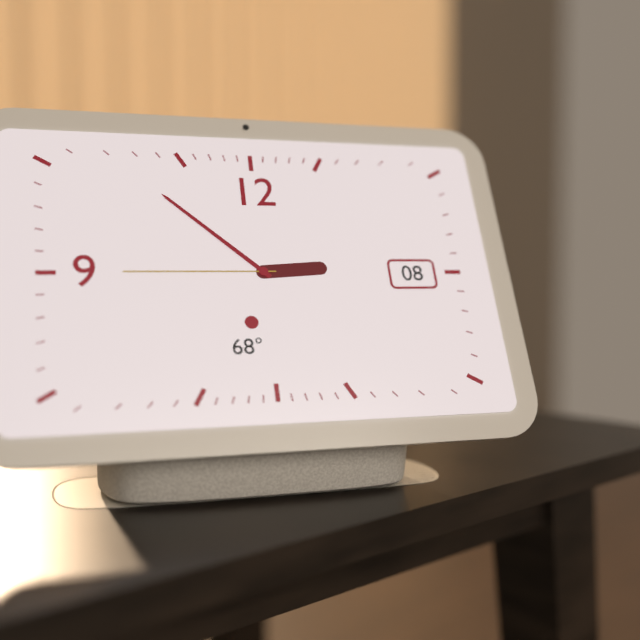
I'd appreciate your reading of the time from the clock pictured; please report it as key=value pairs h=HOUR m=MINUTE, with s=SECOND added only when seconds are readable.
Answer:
h=2 m=52 s=45
